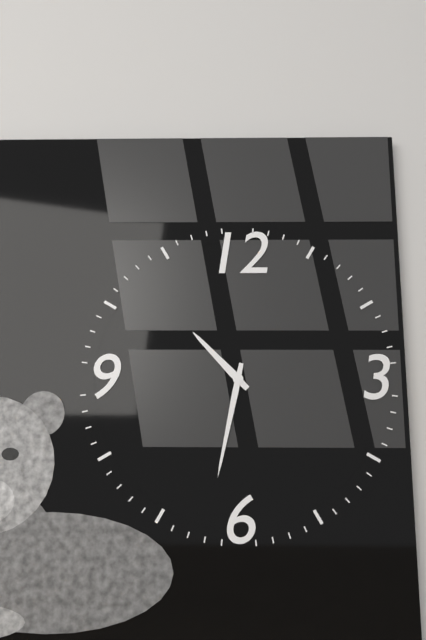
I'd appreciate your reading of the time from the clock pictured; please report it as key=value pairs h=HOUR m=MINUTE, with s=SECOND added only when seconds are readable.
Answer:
h=10 m=32
